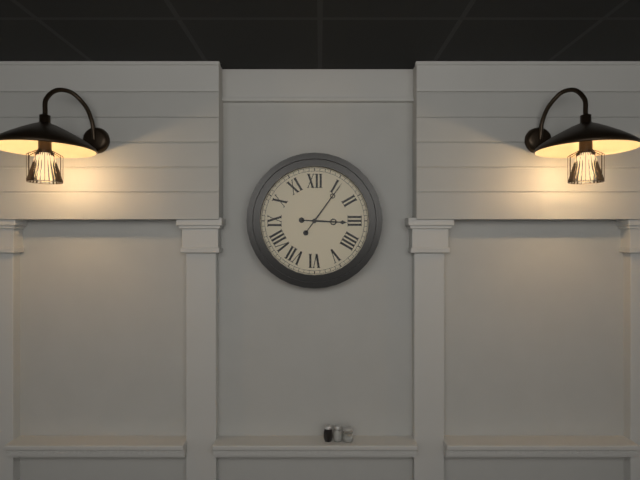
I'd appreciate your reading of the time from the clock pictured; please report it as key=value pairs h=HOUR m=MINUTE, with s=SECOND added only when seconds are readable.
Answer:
h=3 m=6
